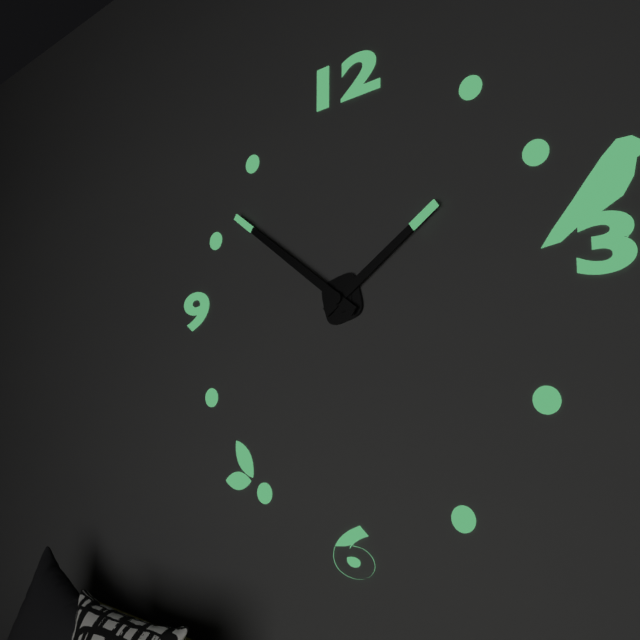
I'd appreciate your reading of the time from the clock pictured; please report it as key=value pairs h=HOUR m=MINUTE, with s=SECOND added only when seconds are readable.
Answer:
h=1 m=51
